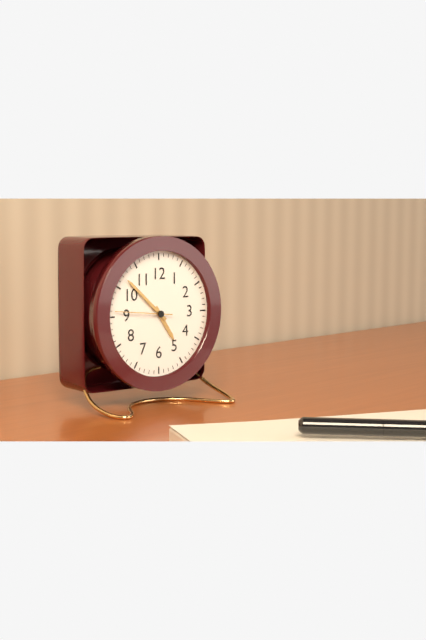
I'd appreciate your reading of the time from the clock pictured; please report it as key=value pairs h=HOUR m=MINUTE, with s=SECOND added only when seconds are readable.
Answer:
h=4 m=52 s=46
